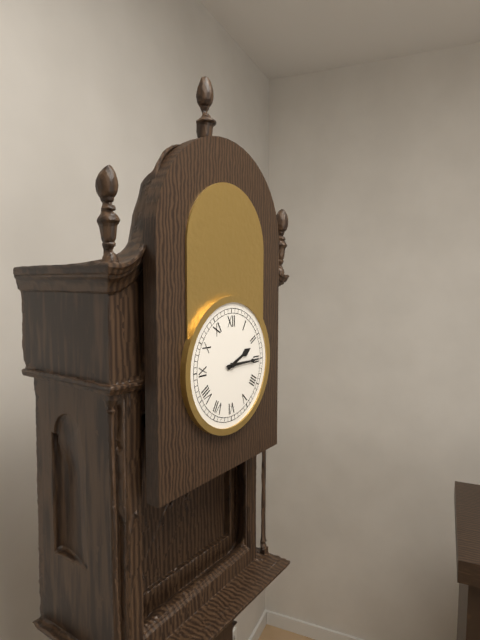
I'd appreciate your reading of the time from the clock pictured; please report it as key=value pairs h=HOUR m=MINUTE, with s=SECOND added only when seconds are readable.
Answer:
h=2 m=15
